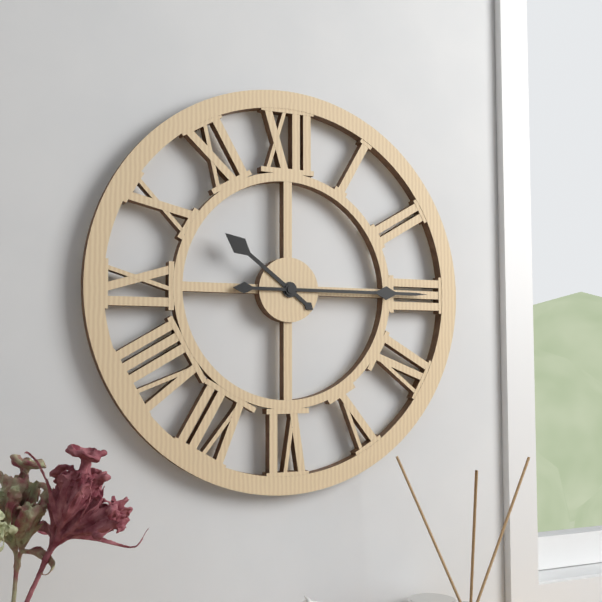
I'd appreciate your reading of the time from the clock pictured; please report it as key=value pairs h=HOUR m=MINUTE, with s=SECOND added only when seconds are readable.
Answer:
h=10 m=15
